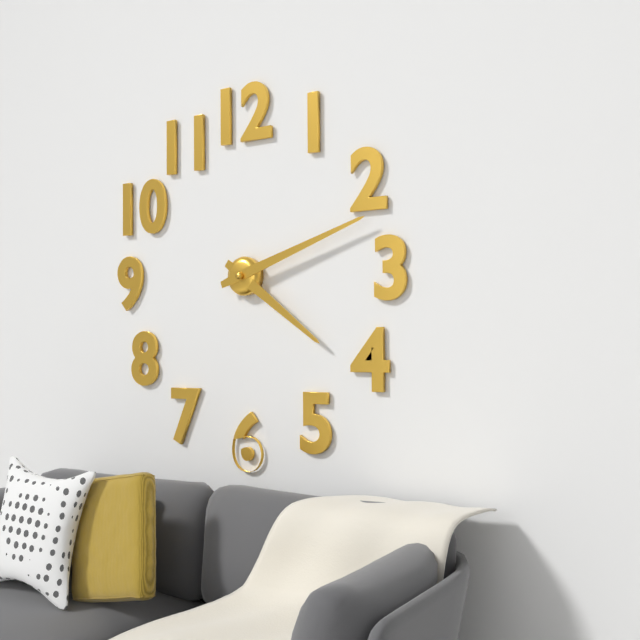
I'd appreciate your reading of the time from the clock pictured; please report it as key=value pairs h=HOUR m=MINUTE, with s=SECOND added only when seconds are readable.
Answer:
h=4 m=12
